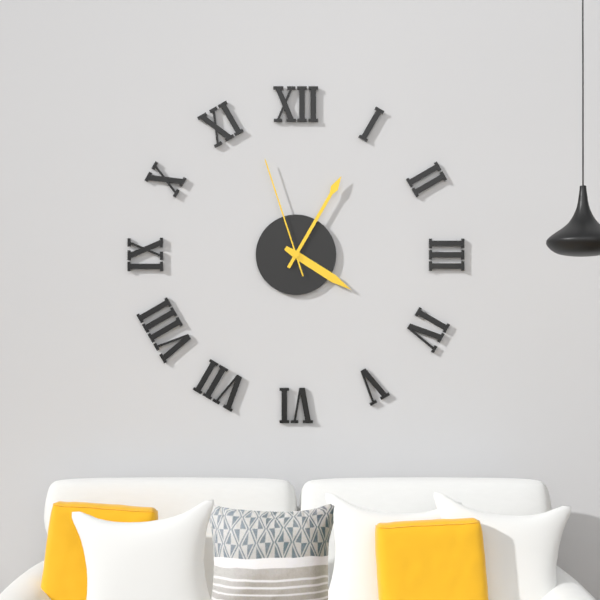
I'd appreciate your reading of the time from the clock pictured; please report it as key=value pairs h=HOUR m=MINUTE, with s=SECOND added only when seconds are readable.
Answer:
h=4 m=5 s=57
